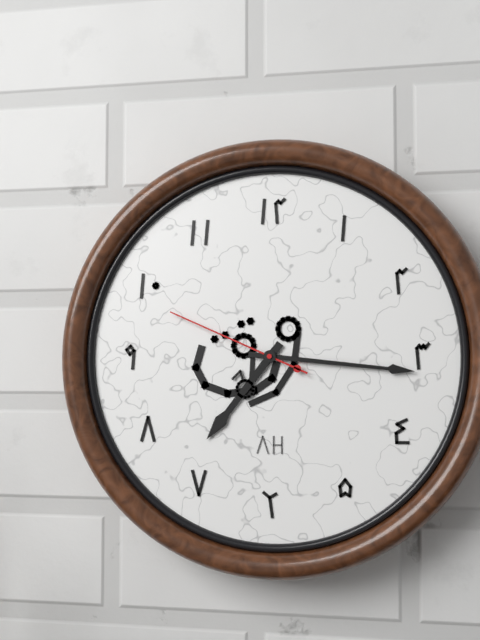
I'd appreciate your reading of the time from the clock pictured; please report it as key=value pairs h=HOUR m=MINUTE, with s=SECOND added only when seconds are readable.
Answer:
h=7 m=16 s=49
